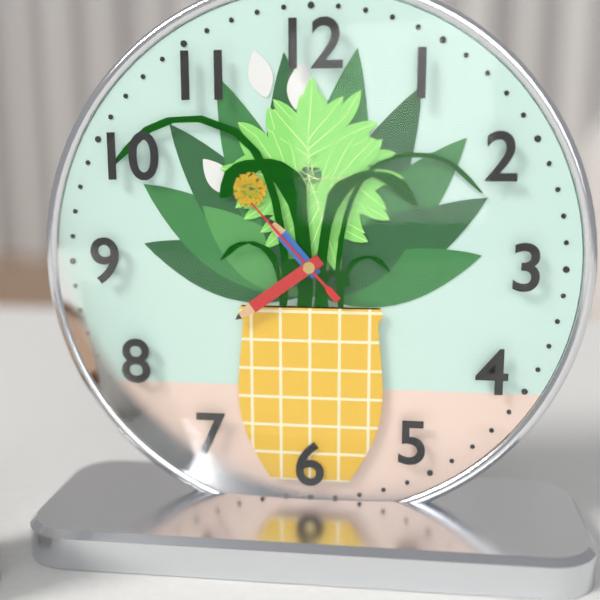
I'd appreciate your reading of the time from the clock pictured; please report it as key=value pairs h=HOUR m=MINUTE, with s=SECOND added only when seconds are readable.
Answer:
h=10 m=39 s=53
